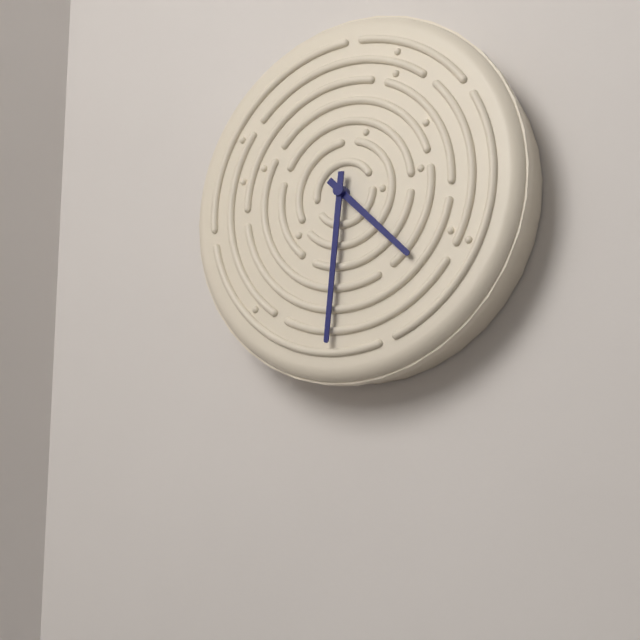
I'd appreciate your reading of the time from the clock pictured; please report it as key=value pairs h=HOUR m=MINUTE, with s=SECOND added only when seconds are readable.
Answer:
h=4 m=31
